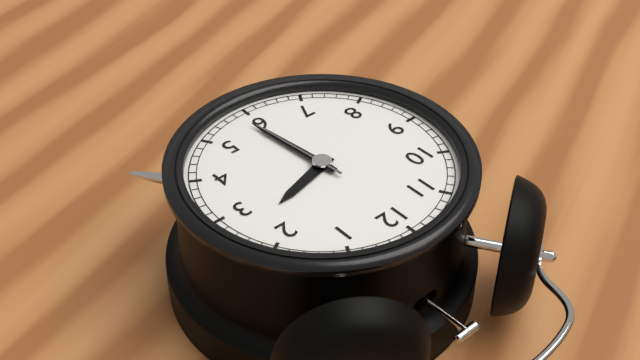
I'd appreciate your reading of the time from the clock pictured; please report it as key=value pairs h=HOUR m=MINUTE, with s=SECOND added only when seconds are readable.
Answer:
h=2 m=29 s=29
